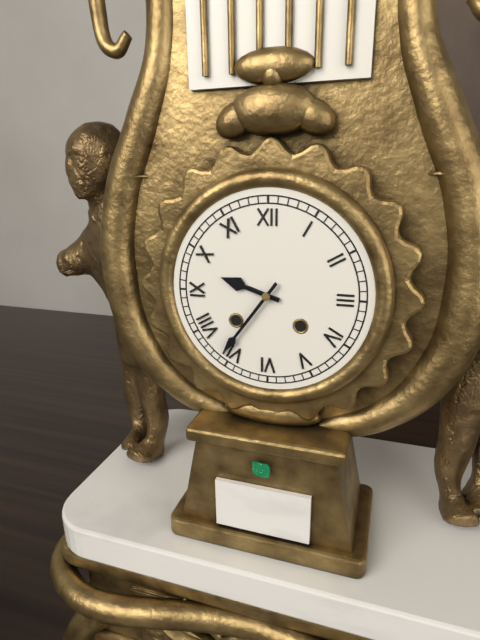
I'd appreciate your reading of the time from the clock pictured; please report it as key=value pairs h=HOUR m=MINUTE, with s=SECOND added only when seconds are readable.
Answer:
h=9 m=36
